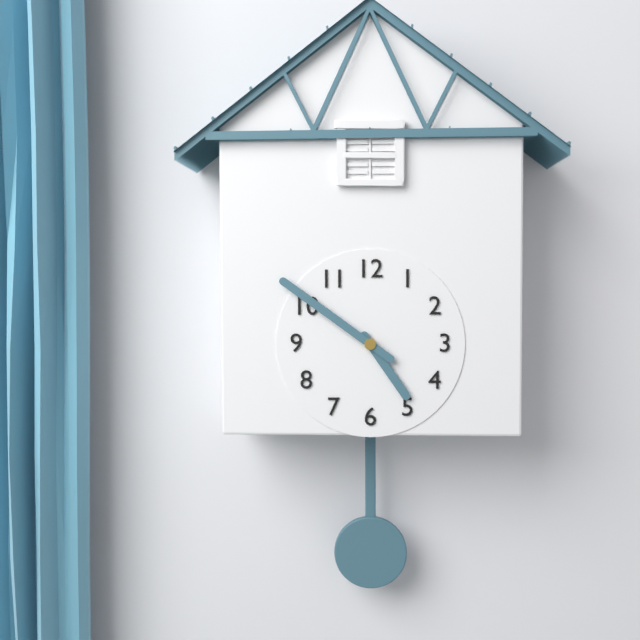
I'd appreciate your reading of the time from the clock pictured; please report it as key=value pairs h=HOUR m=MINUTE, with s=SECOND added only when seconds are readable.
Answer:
h=4 m=51
